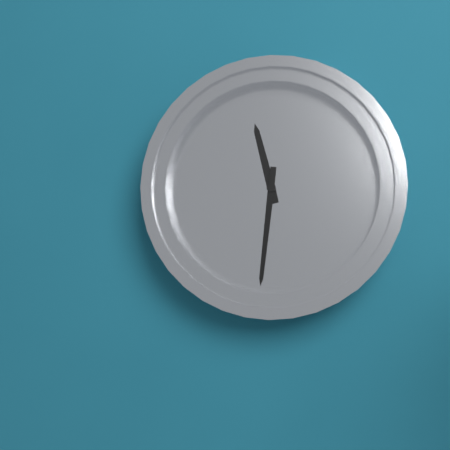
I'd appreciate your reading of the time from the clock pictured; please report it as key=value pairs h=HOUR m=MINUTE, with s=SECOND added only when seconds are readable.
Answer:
h=11 m=31
